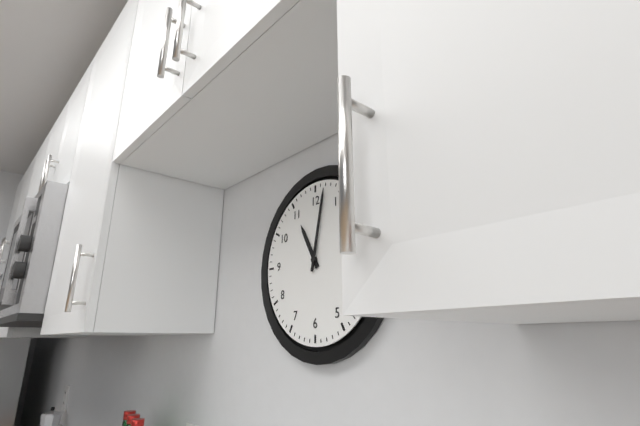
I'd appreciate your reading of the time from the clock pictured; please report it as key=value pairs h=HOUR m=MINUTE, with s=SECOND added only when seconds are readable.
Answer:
h=11 m=2
